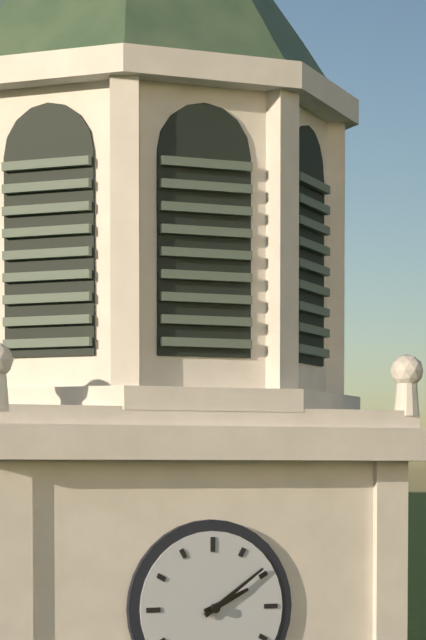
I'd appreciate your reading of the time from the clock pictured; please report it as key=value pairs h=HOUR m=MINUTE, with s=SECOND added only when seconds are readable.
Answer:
h=2 m=9
